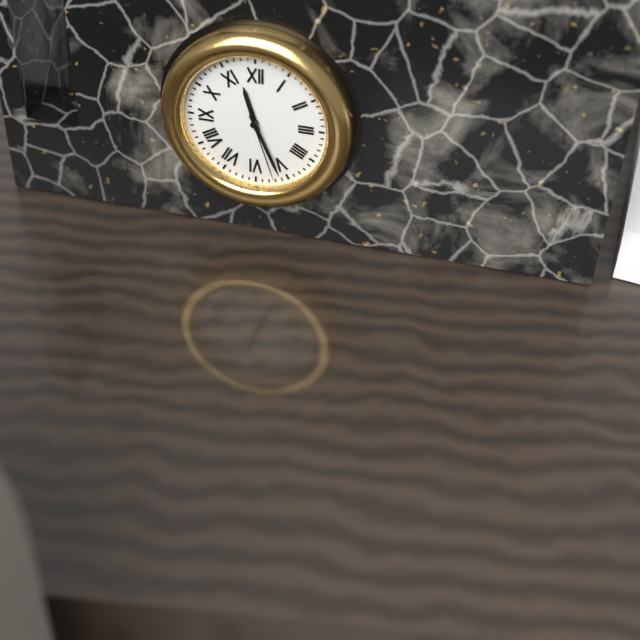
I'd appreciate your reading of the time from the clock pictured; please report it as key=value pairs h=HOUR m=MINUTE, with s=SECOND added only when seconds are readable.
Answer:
h=11 m=26 s=27
